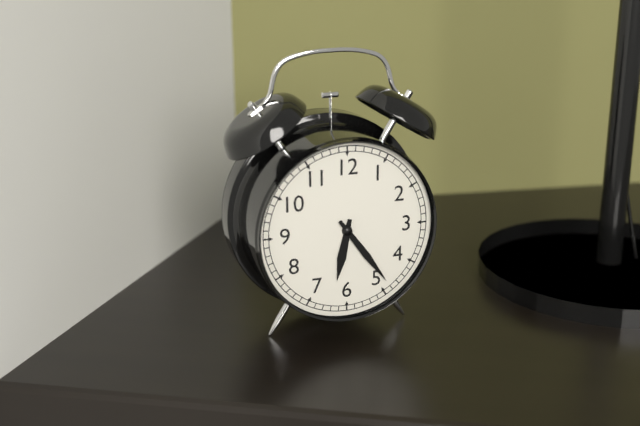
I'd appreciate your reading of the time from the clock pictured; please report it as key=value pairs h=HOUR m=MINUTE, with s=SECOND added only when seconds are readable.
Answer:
h=6 m=24
